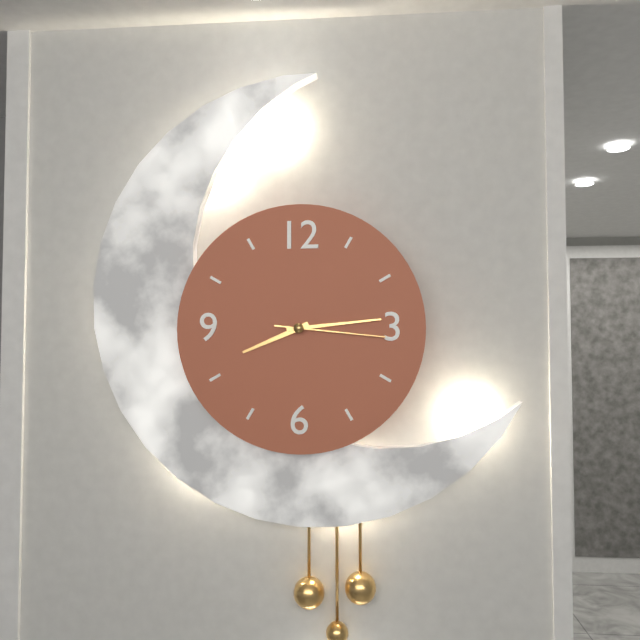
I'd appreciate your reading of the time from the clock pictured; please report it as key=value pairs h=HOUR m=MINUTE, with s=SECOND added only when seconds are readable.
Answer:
h=8 m=14 s=16
